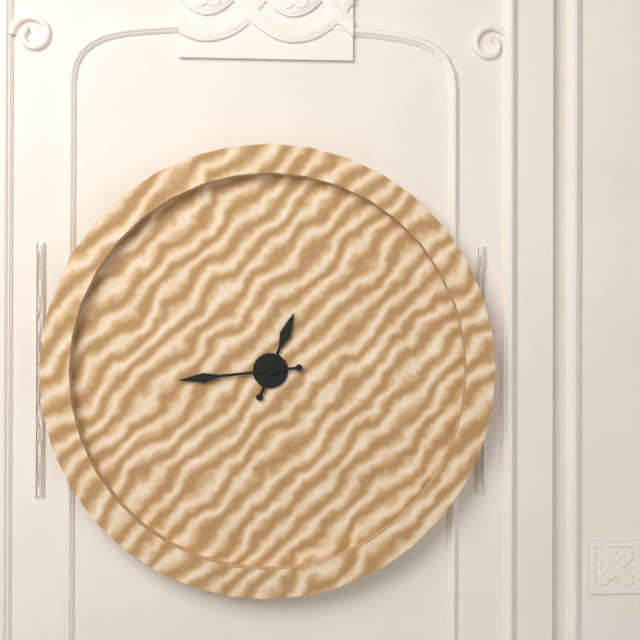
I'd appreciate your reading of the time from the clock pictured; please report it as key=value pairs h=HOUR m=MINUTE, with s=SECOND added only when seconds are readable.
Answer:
h=12 m=44
